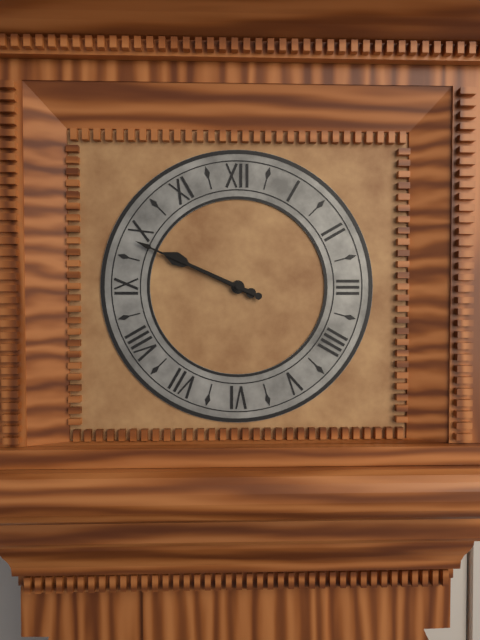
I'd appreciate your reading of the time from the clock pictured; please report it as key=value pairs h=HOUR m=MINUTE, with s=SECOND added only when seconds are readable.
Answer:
h=9 m=49
